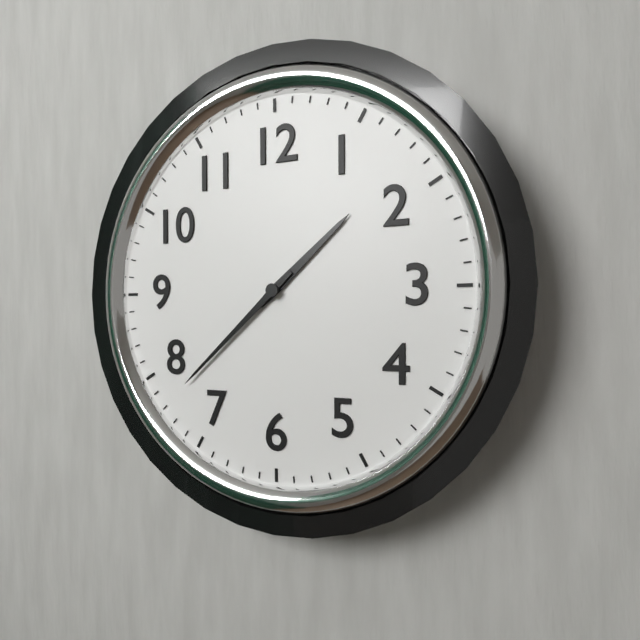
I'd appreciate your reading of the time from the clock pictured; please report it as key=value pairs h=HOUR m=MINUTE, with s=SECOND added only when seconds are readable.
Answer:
h=1 m=38
